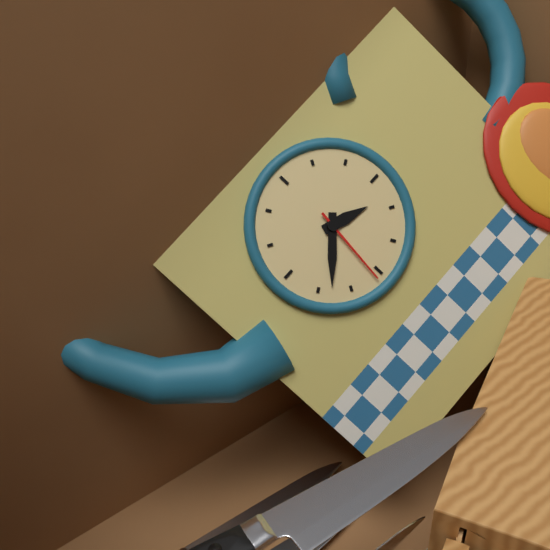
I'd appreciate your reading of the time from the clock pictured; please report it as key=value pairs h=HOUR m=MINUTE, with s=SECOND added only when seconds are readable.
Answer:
h=3 m=38 s=31
